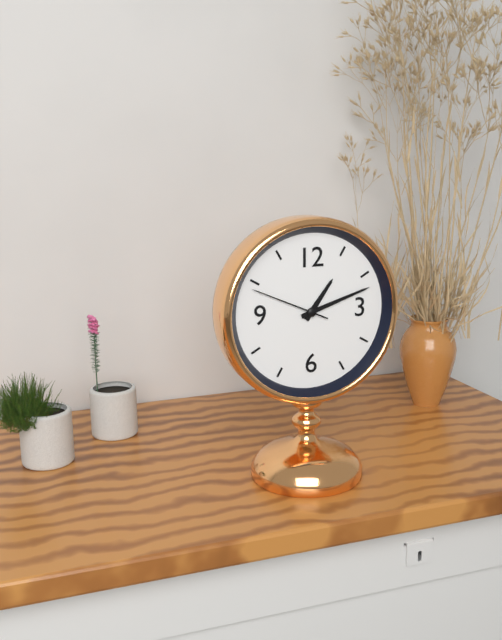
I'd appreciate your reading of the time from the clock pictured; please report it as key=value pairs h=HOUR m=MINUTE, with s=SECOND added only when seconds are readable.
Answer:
h=1 m=12 s=49
